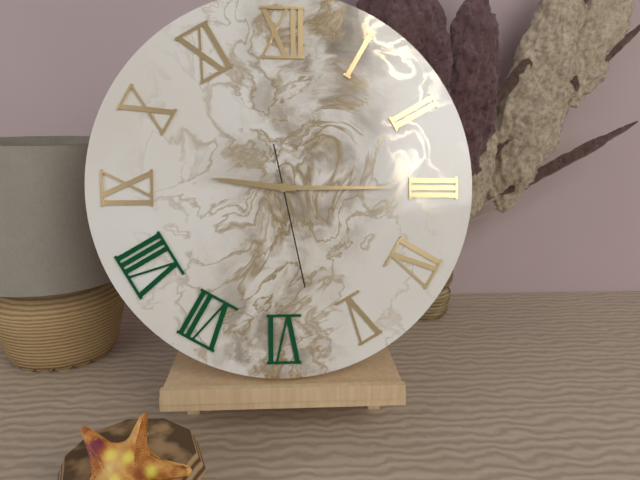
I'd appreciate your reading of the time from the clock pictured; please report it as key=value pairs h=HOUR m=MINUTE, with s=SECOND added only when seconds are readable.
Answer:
h=9 m=15 s=28
